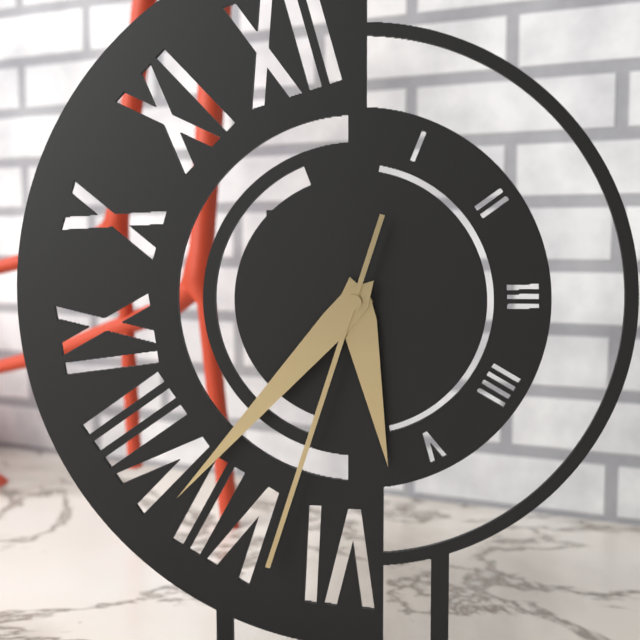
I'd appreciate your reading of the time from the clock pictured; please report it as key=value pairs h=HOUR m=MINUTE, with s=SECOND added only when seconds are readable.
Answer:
h=5 m=37 s=33
